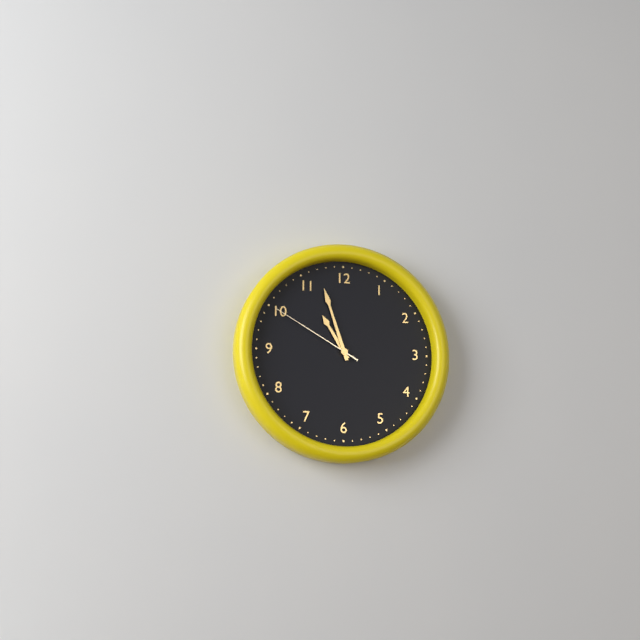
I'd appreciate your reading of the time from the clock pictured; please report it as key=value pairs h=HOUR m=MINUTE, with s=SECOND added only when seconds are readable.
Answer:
h=10 m=57 s=50
